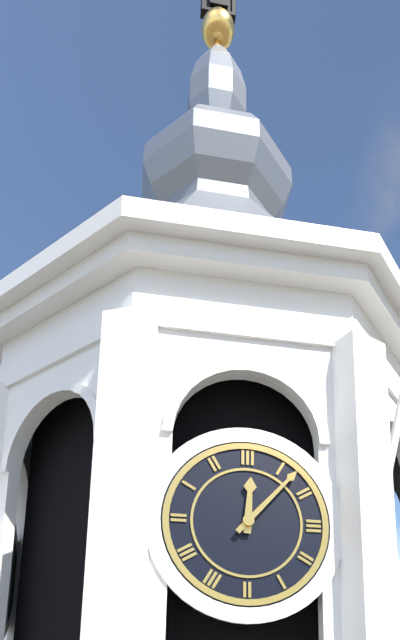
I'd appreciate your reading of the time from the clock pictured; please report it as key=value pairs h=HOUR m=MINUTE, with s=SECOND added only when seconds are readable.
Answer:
h=12 m=7
